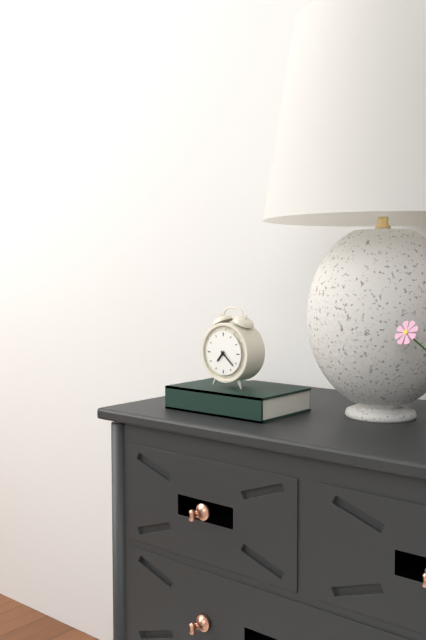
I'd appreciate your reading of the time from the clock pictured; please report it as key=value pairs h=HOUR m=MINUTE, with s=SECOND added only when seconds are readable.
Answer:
h=7 m=22
